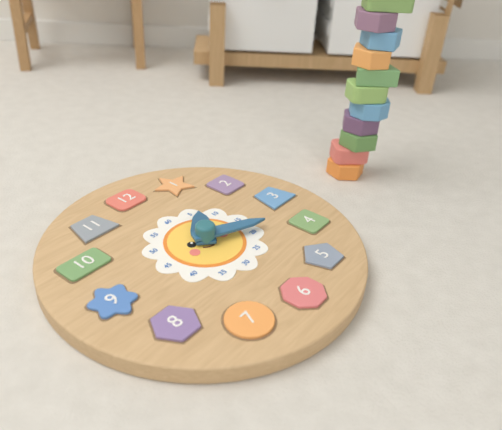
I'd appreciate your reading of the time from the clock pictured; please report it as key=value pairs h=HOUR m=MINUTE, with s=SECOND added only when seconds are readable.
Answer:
h=1 m=19
